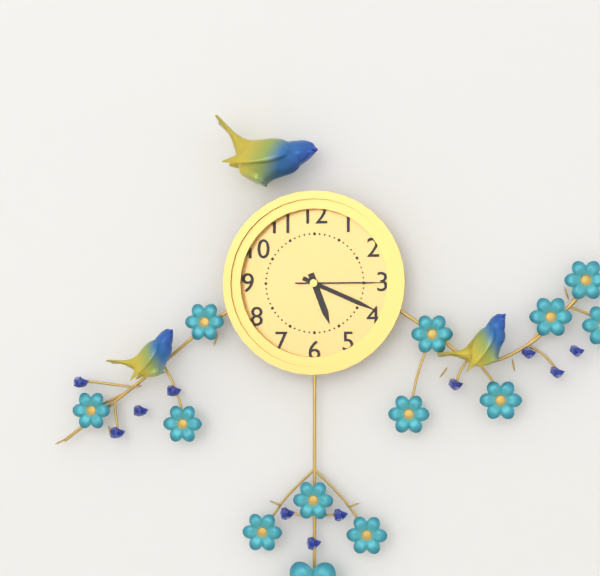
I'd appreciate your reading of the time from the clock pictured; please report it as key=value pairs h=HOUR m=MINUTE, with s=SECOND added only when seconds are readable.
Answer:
h=5 m=19 s=15
